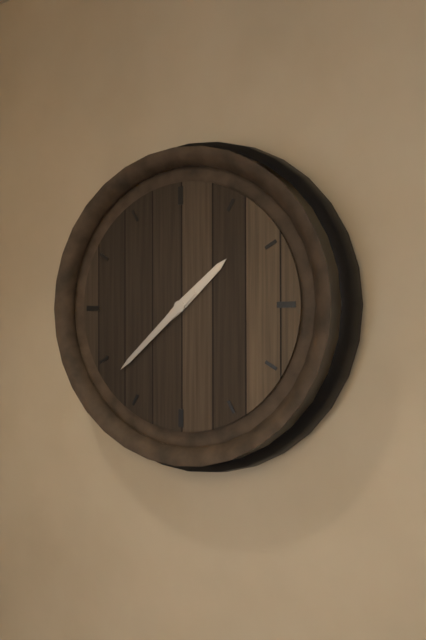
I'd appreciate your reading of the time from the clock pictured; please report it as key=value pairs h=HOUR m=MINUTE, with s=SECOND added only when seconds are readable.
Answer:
h=1 m=38
